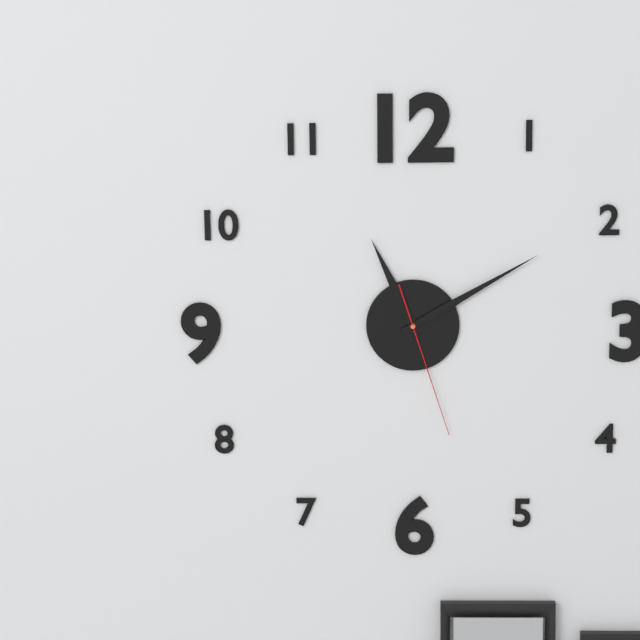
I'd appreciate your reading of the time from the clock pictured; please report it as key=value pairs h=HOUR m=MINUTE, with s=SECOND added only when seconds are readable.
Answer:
h=11 m=10 s=27
